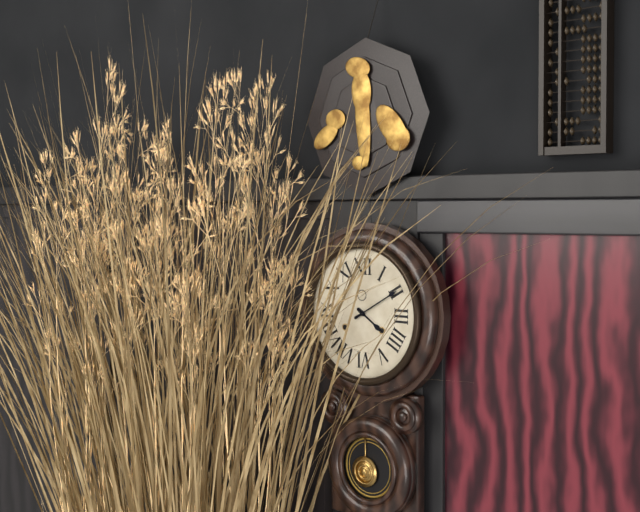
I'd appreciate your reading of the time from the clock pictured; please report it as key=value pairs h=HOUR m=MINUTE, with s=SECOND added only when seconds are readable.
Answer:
h=4 m=10
